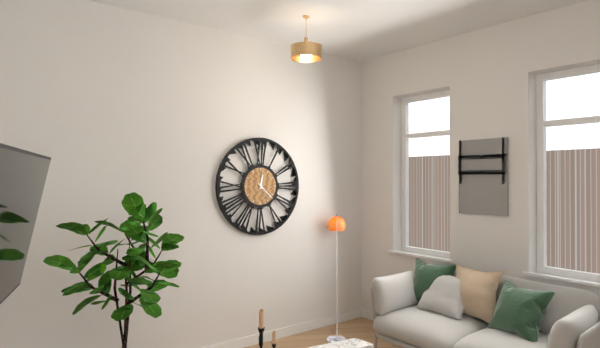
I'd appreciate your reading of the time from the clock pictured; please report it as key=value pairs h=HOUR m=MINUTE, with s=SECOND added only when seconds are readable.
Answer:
h=12 m=22
